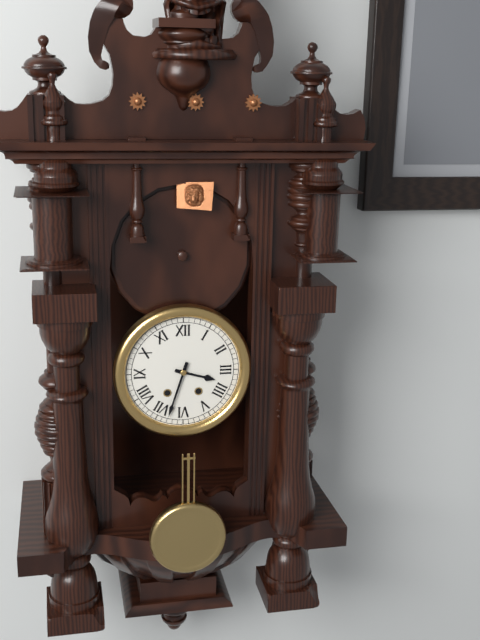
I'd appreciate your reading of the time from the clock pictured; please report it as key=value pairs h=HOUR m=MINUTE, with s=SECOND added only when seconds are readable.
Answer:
h=3 m=33
